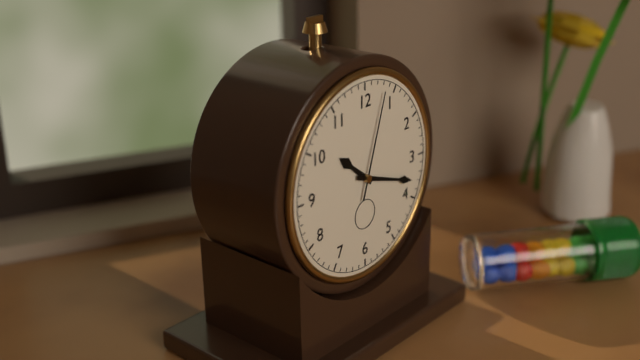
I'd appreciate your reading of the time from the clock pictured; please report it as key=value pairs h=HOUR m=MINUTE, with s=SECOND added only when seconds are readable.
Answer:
h=10 m=18 s=3
